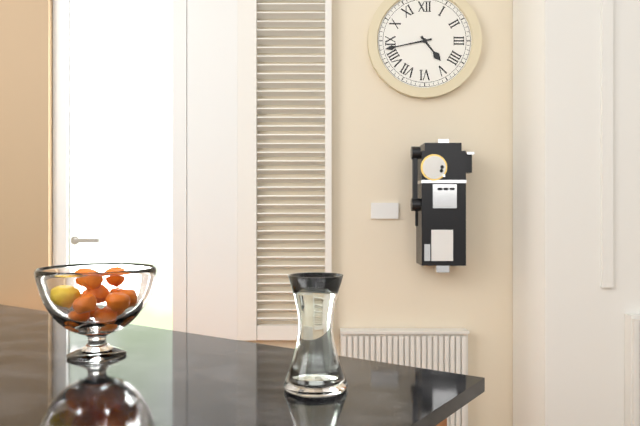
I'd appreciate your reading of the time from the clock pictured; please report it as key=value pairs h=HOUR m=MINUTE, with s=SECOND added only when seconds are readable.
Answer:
h=4 m=43
